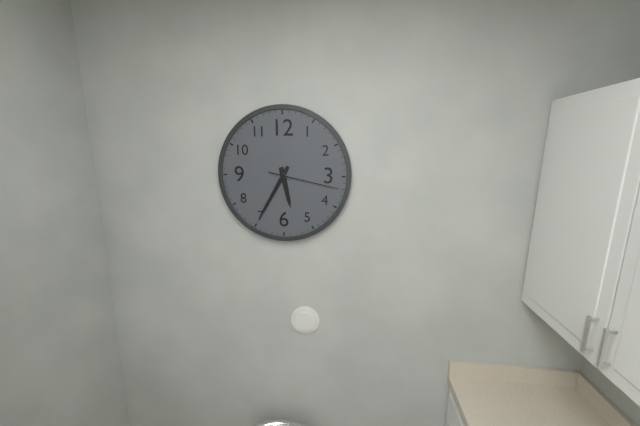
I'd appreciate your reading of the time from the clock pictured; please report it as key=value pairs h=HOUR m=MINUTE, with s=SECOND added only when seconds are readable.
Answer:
h=5 m=35 s=17
